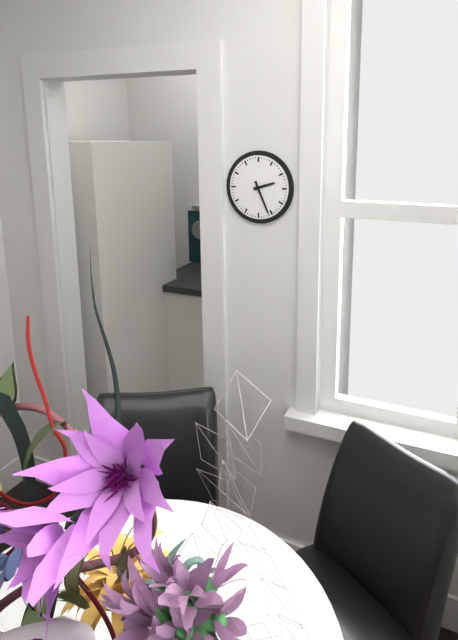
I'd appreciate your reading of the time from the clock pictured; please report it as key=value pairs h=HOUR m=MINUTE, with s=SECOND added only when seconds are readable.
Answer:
h=2 m=26
